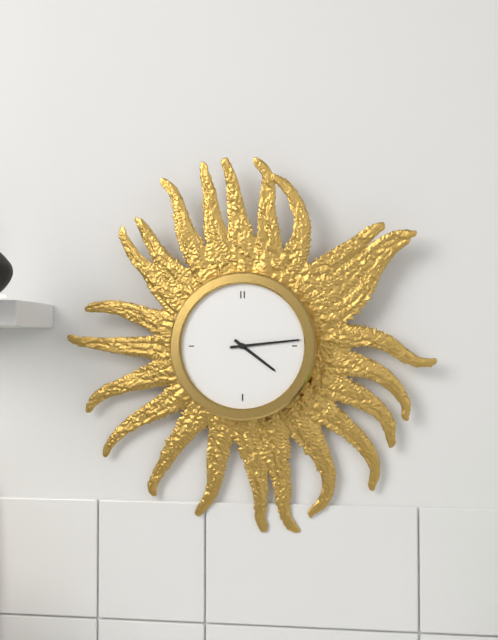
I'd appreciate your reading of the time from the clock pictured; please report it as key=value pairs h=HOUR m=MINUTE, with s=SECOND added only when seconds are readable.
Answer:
h=4 m=14
